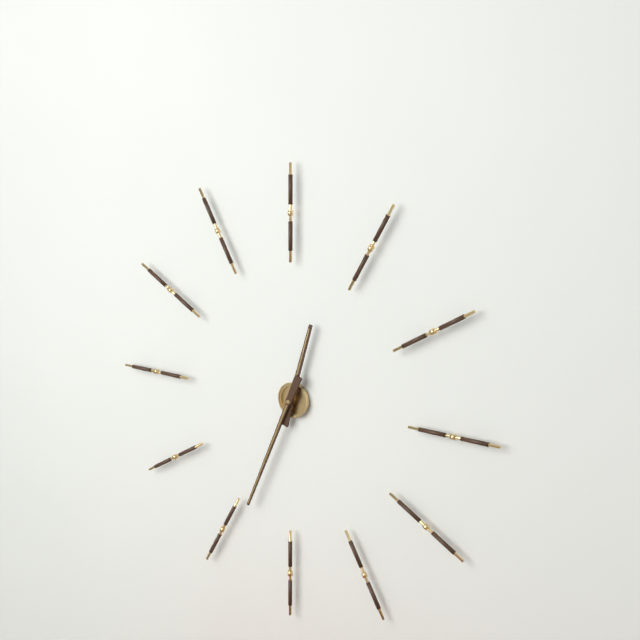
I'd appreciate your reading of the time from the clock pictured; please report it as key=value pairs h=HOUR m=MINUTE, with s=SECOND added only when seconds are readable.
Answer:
h=12 m=34
